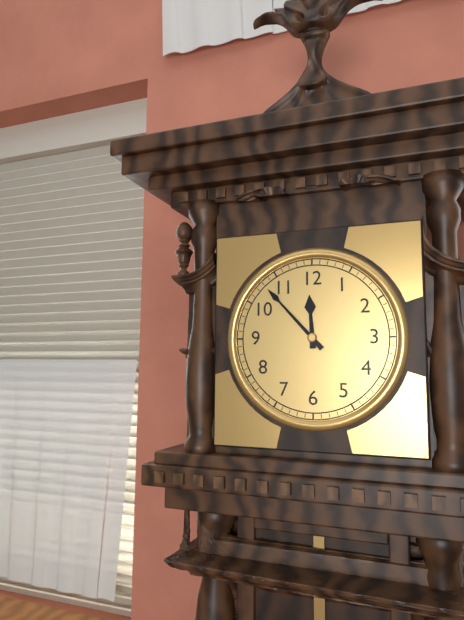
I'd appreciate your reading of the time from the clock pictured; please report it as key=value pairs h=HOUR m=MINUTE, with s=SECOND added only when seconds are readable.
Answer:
h=11 m=53
